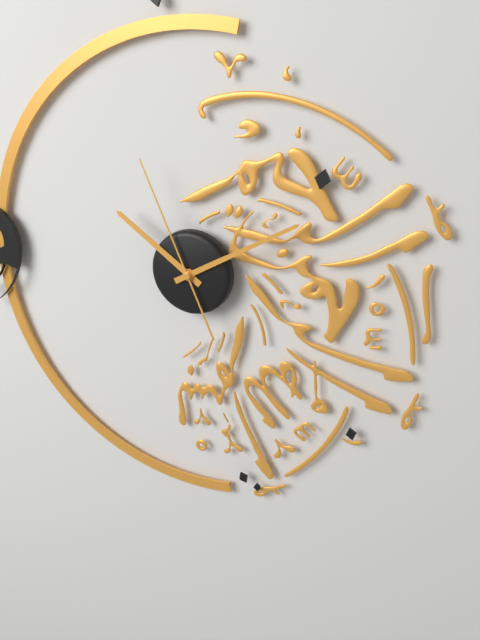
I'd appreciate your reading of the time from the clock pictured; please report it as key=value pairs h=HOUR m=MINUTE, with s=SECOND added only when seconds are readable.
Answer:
h=10 m=10 s=56
